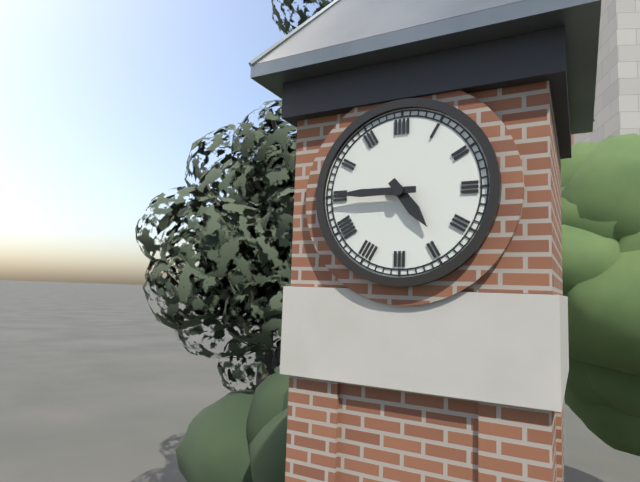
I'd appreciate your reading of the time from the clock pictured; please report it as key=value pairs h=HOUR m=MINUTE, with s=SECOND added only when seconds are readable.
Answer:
h=4 m=45
